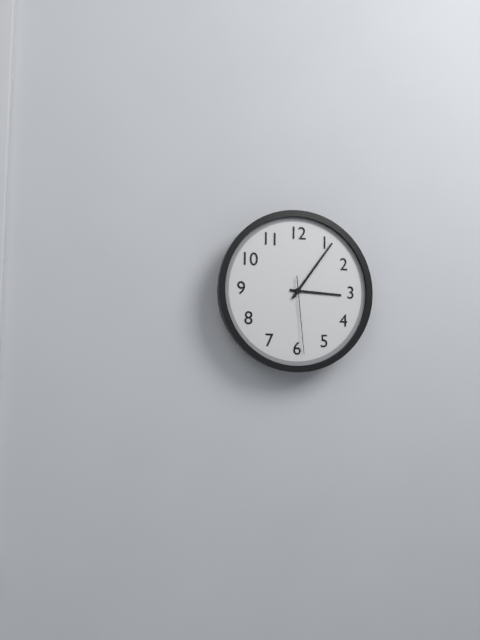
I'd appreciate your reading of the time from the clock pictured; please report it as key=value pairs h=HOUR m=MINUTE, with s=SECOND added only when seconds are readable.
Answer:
h=3 m=6 s=29
